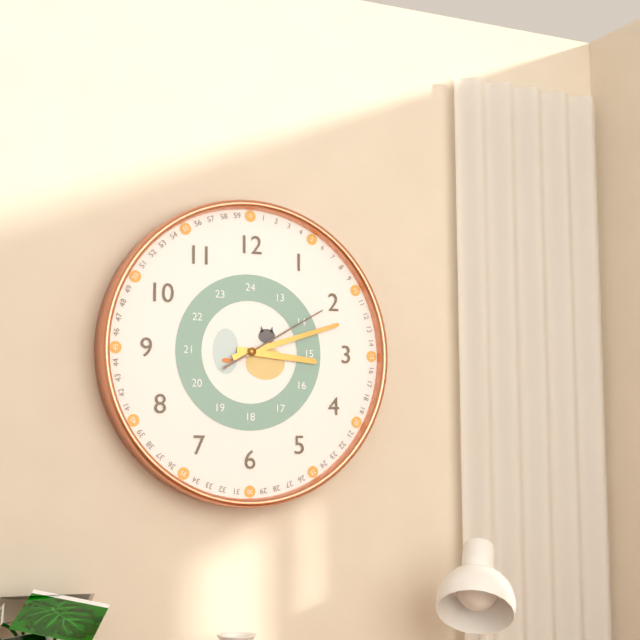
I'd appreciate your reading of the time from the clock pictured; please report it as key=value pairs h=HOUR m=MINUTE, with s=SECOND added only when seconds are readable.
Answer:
h=3 m=12 s=10
